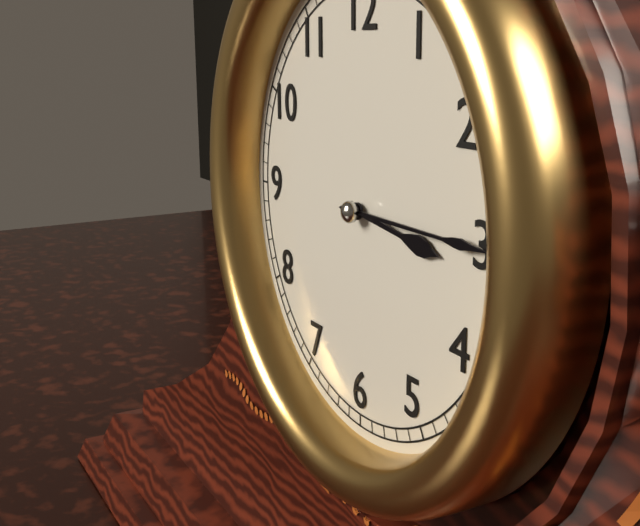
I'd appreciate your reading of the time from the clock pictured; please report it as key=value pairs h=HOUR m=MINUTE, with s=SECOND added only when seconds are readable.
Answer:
h=3 m=15
